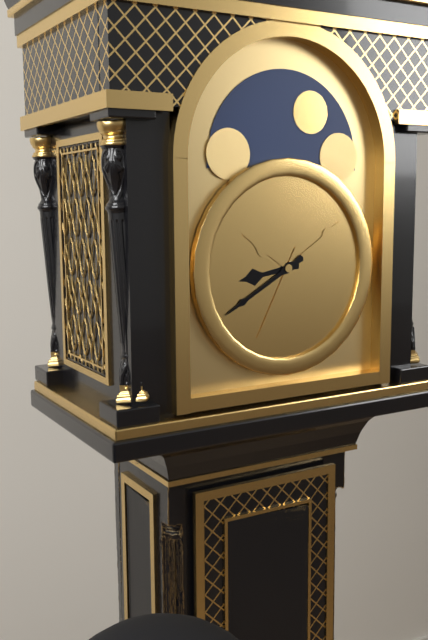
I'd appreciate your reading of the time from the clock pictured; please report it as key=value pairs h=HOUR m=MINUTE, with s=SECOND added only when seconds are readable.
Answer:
h=8 m=40
